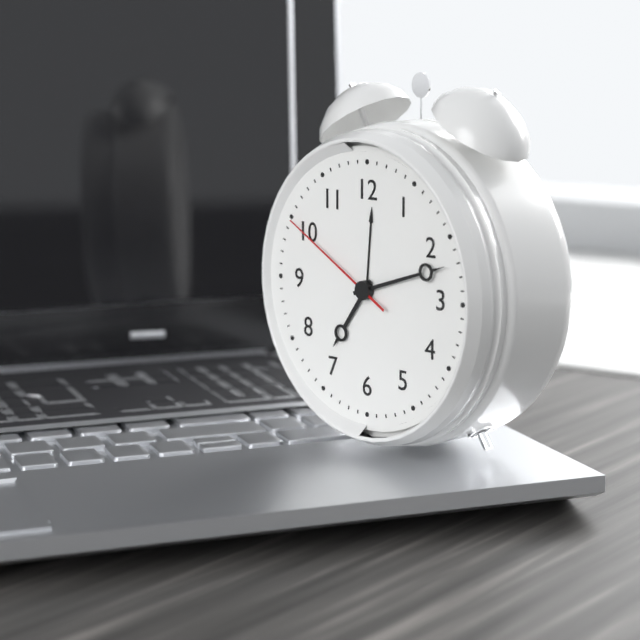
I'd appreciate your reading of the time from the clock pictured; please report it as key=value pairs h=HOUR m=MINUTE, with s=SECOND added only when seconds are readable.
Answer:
h=7 m=12 s=50
